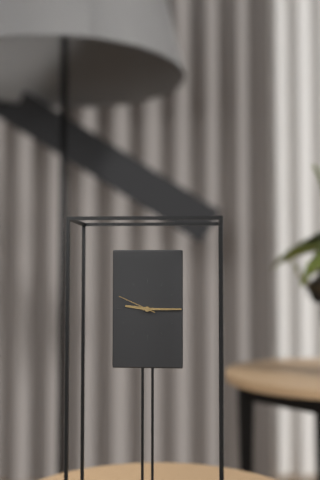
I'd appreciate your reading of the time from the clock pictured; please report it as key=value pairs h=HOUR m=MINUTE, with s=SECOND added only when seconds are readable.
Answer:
h=9 m=15
